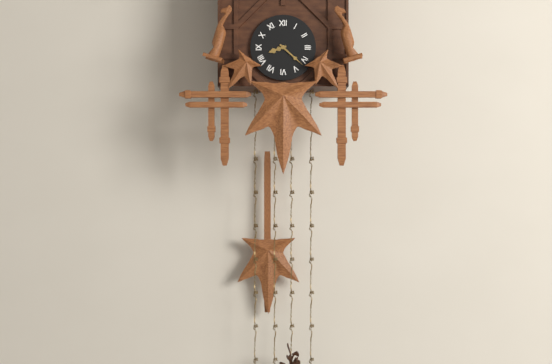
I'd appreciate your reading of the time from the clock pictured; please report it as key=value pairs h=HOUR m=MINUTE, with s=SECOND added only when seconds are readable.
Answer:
h=8 m=22
